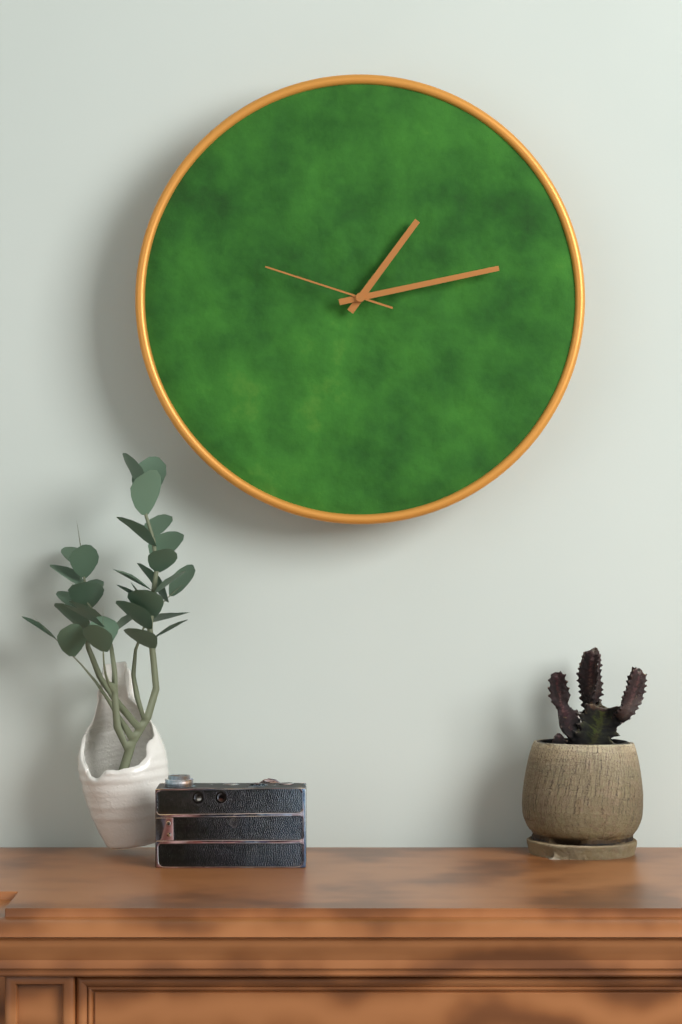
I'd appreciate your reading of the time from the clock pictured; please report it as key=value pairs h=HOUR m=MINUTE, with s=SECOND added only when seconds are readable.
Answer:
h=1 m=13 s=48
